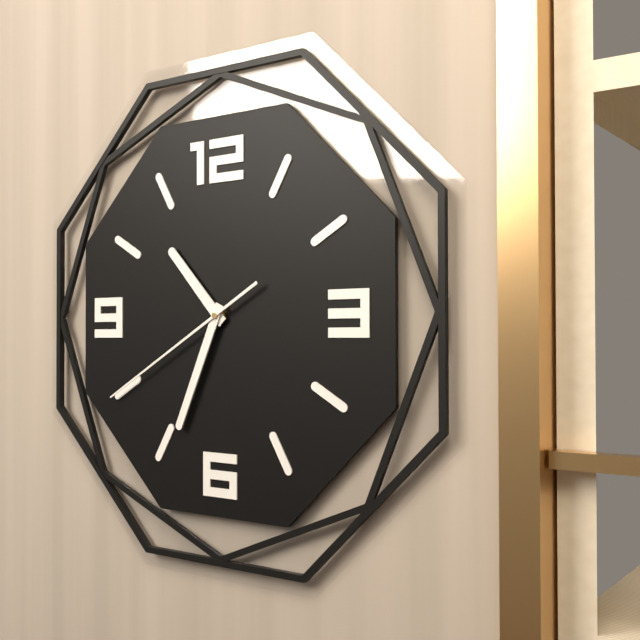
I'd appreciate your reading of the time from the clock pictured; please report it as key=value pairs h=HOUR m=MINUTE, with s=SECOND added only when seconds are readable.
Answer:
h=10 m=34 s=40
